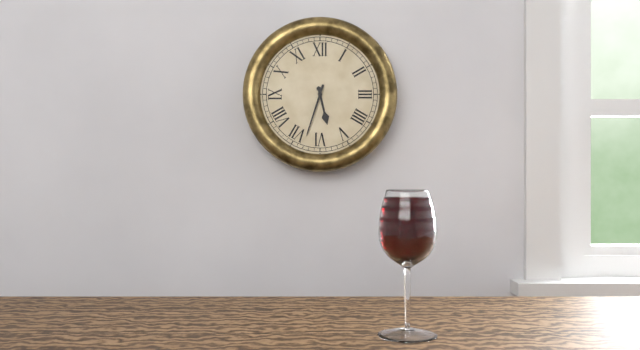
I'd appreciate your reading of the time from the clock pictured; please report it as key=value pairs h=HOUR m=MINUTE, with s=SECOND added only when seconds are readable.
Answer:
h=5 m=33
